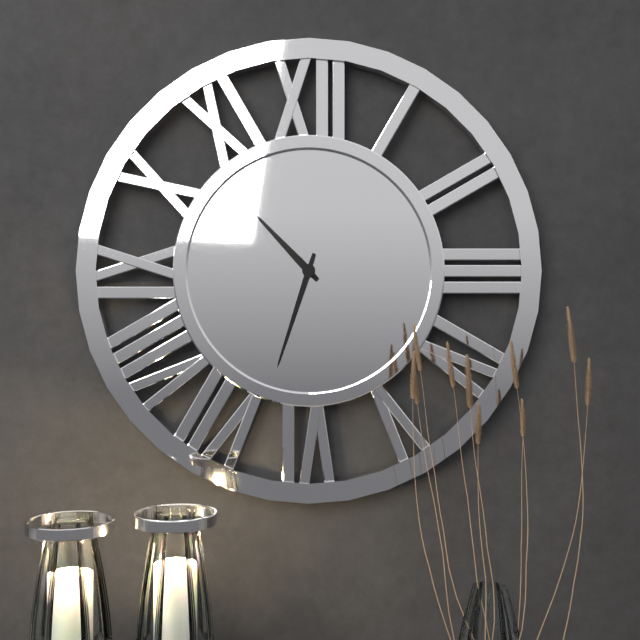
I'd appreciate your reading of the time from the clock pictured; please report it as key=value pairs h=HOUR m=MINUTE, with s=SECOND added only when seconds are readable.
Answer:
h=10 m=33
